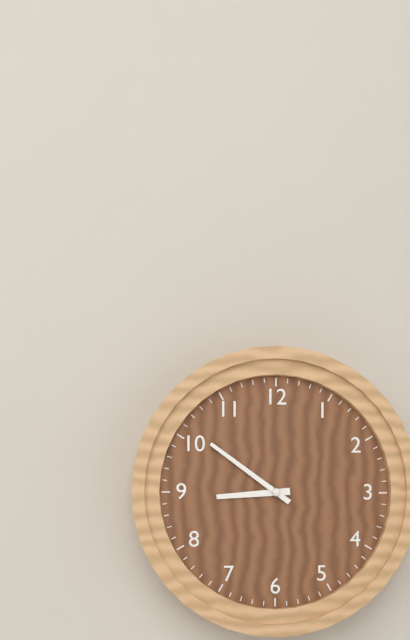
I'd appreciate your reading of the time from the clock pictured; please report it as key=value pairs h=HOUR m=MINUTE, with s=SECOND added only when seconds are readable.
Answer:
h=8 m=51
